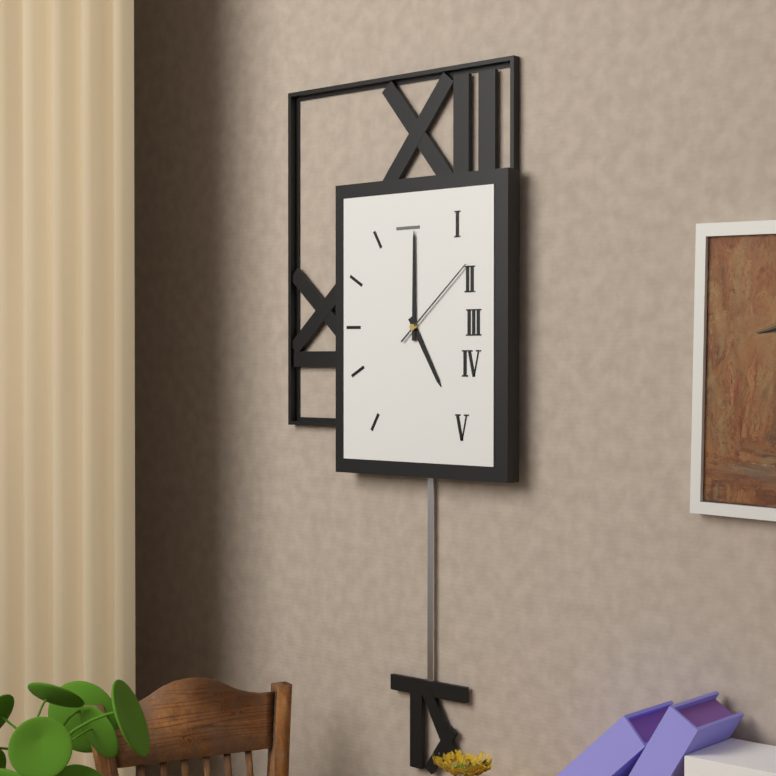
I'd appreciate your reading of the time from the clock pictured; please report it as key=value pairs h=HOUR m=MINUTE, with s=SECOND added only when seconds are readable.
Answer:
h=5 m=0 s=8
